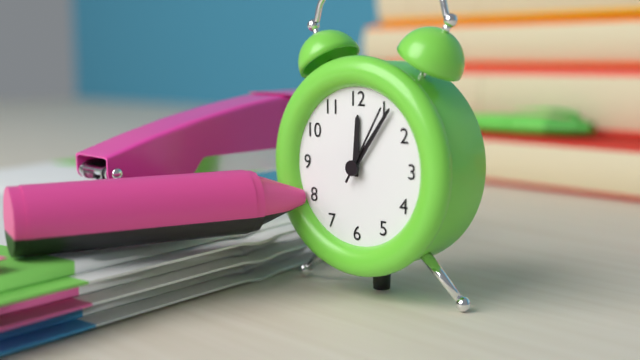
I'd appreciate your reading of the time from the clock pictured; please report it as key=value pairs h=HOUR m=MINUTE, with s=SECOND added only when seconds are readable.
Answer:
h=12 m=6 s=5
